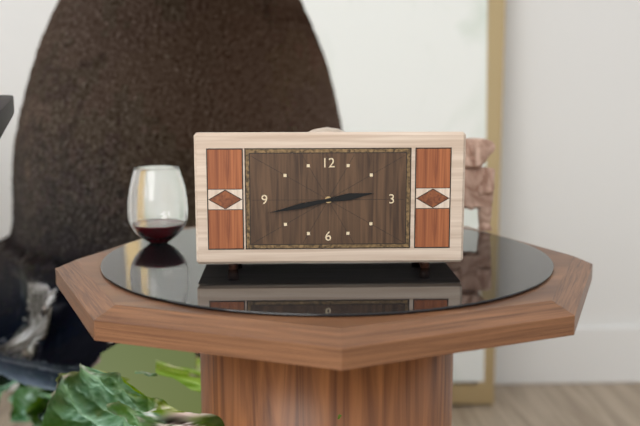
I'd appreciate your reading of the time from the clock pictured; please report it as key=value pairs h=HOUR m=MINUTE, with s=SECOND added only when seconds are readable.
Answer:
h=2 m=43
